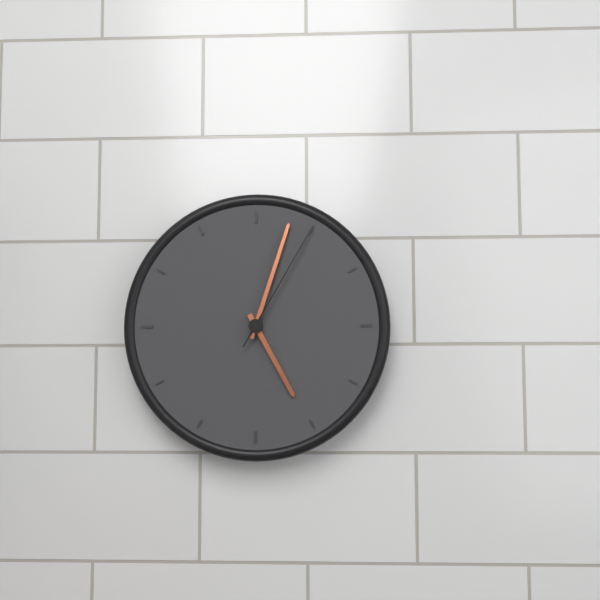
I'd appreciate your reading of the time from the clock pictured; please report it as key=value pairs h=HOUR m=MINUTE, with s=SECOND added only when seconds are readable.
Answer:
h=5 m=3 s=5
